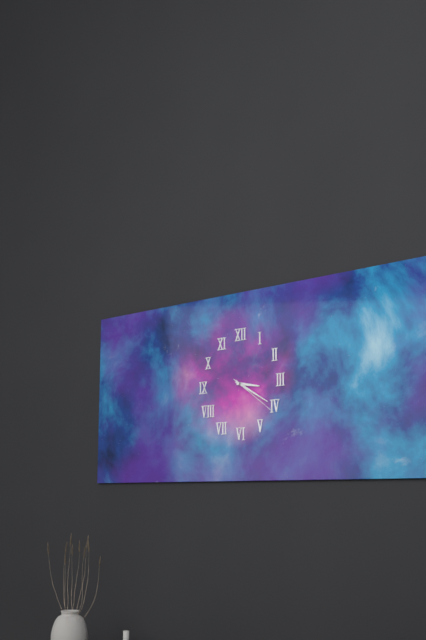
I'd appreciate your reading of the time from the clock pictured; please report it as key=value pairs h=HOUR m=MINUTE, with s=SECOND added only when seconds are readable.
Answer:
h=3 m=20 s=21
